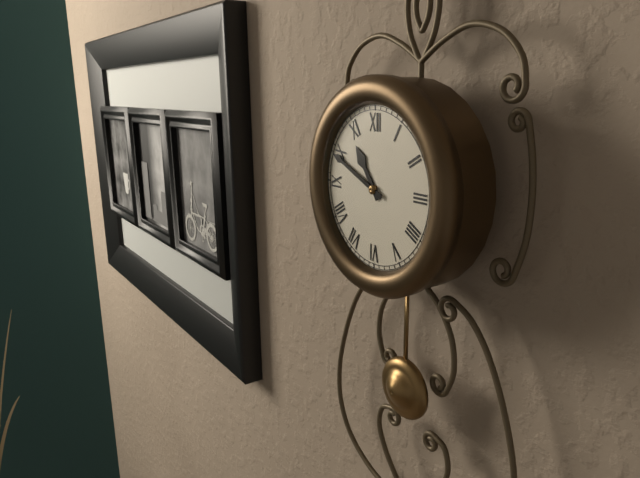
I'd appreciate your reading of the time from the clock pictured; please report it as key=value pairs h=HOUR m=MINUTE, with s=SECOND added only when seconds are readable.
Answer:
h=10 m=49
